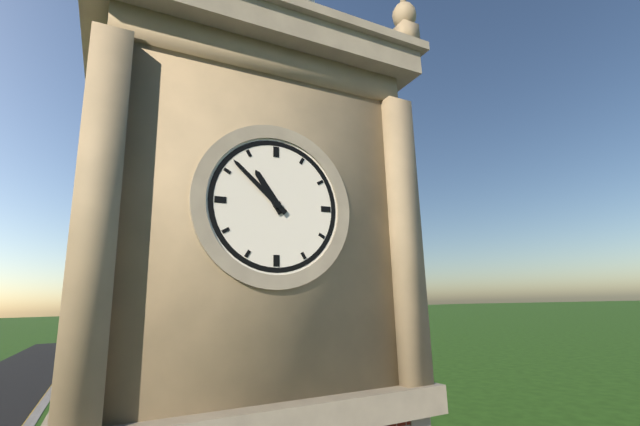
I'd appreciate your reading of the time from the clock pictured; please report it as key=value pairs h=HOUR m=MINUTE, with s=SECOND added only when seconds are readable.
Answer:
h=10 m=52
